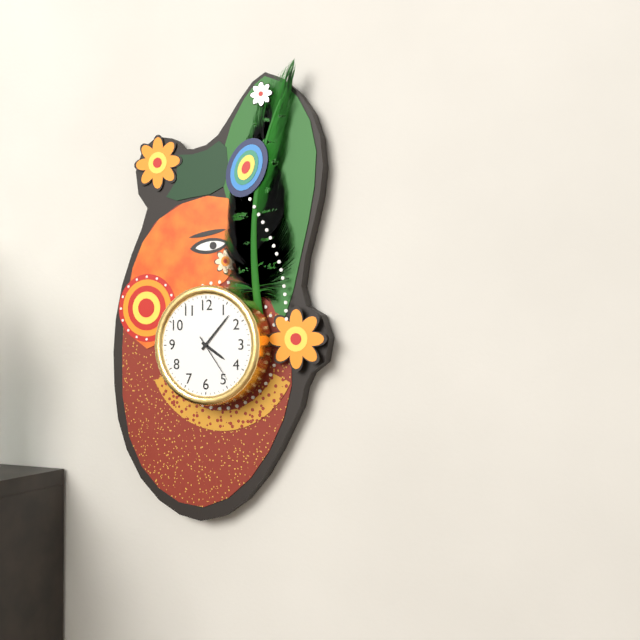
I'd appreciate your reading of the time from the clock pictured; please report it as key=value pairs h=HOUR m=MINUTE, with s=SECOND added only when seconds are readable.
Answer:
h=4 m=7 s=24
